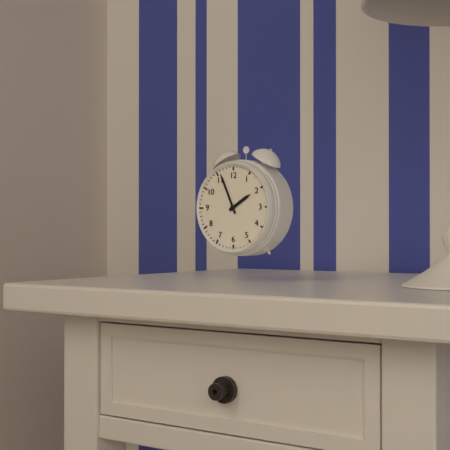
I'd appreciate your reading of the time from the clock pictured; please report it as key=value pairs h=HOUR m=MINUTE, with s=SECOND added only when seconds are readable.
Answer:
h=1 m=56
